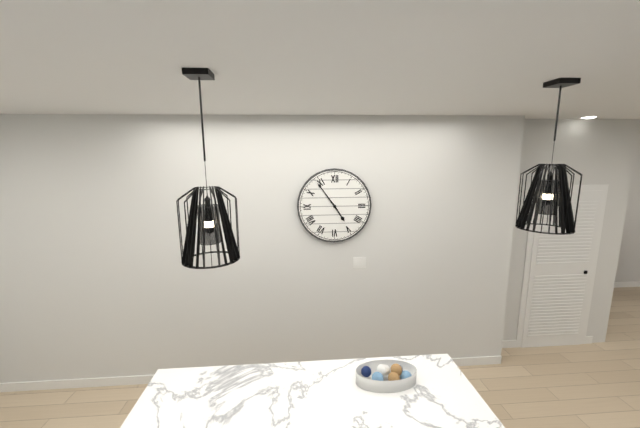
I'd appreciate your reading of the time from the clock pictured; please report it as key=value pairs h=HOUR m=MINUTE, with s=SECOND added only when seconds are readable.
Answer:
h=4 m=54
